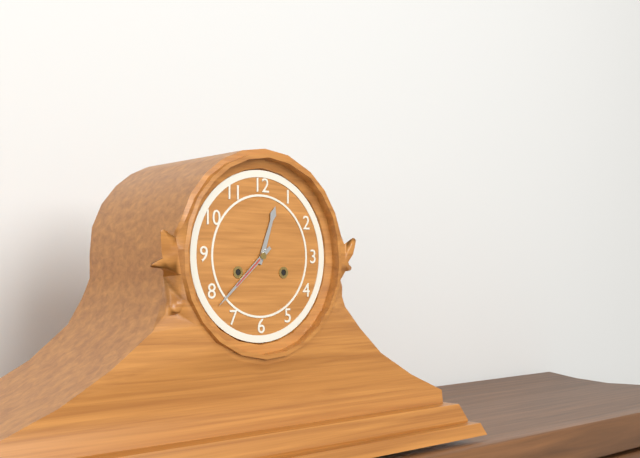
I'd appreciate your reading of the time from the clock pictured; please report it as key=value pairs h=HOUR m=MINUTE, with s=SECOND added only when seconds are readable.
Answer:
h=12 m=38
